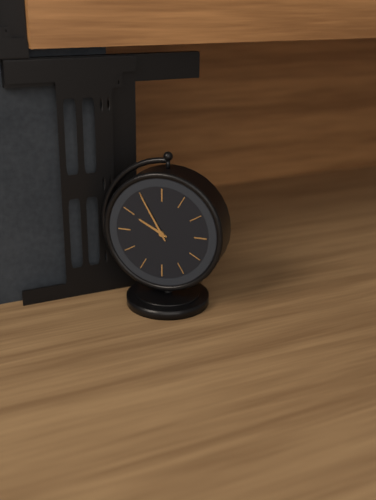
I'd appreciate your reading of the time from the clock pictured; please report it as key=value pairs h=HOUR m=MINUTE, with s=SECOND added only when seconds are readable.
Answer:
h=9 m=55
